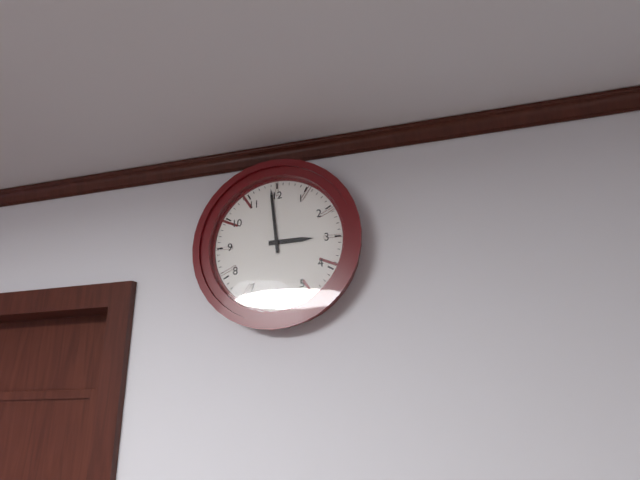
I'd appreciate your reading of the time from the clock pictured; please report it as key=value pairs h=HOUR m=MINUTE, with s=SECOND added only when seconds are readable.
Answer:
h=2 m=59
